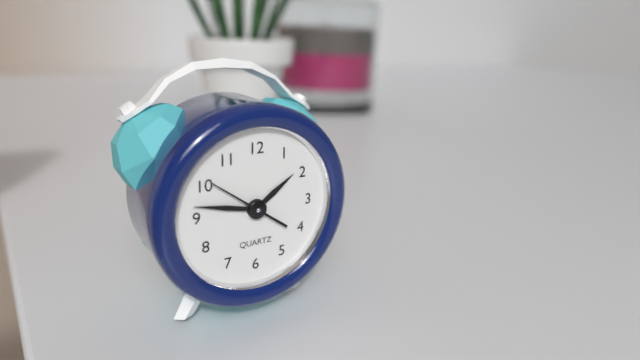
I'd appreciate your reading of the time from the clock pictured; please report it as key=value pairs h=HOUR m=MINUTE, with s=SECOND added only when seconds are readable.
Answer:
h=1 m=47 s=51
